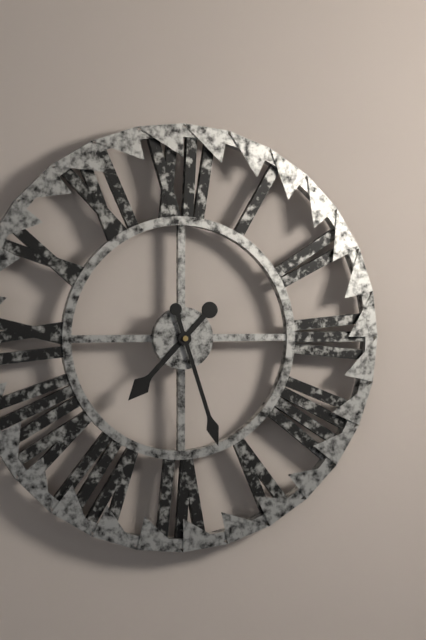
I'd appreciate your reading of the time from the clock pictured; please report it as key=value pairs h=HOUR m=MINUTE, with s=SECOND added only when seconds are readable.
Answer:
h=7 m=27
